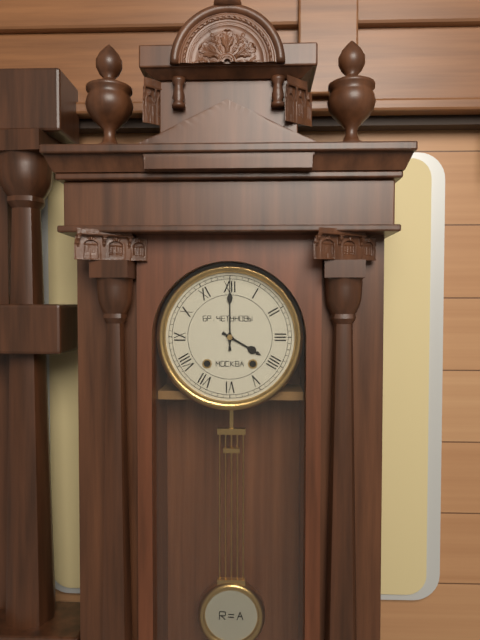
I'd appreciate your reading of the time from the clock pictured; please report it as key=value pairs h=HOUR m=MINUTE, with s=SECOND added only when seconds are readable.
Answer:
h=4 m=0
